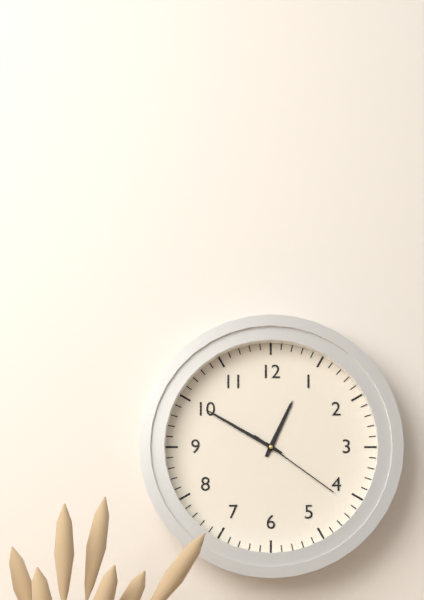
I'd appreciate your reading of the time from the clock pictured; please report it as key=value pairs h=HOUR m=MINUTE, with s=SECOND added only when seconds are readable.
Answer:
h=12 m=50 s=21
